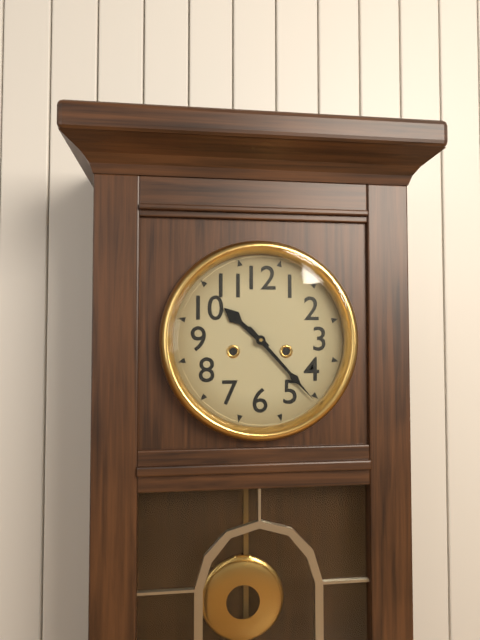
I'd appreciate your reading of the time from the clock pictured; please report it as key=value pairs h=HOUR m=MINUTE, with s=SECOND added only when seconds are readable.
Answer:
h=10 m=23
